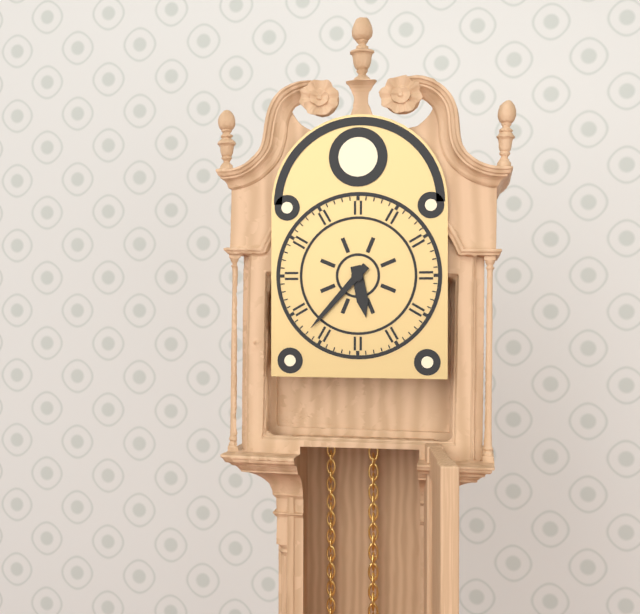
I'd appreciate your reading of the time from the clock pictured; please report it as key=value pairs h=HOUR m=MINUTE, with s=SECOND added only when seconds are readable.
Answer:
h=5 m=37
